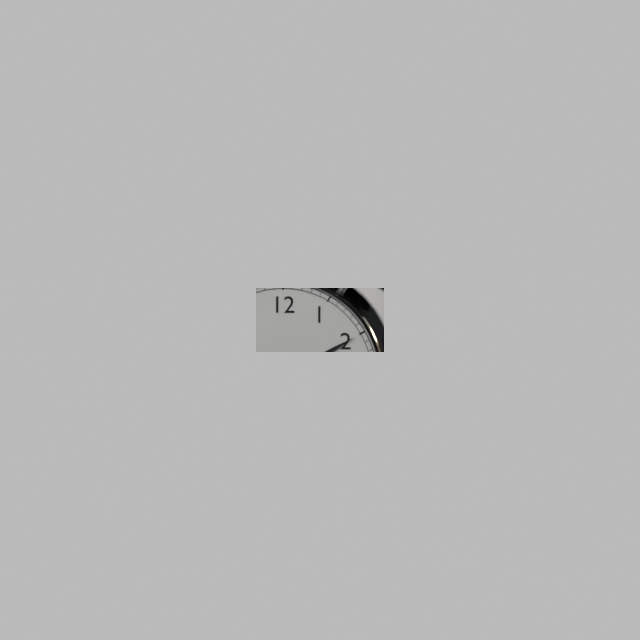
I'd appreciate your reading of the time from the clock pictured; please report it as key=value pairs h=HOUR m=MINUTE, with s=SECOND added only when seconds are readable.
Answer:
h=6 m=10 s=35
